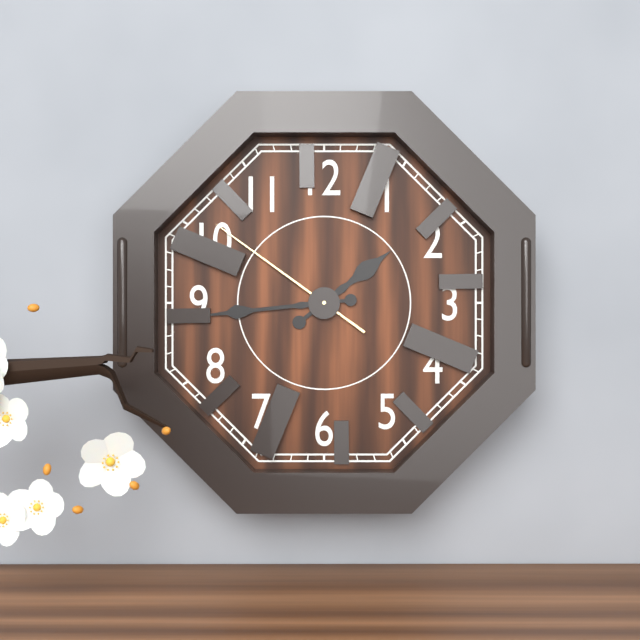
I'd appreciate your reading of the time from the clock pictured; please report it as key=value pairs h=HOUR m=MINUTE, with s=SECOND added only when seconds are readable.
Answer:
h=1 m=44 s=51
